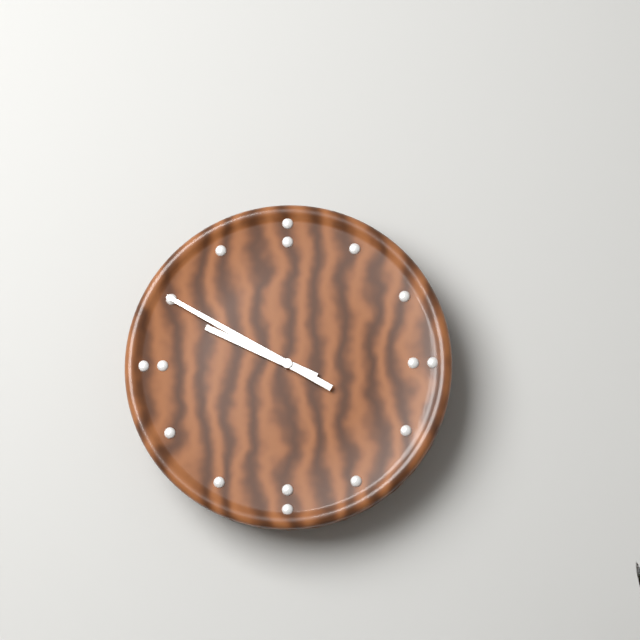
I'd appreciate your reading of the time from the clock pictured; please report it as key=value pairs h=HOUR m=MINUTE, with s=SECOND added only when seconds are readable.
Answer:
h=9 m=50
